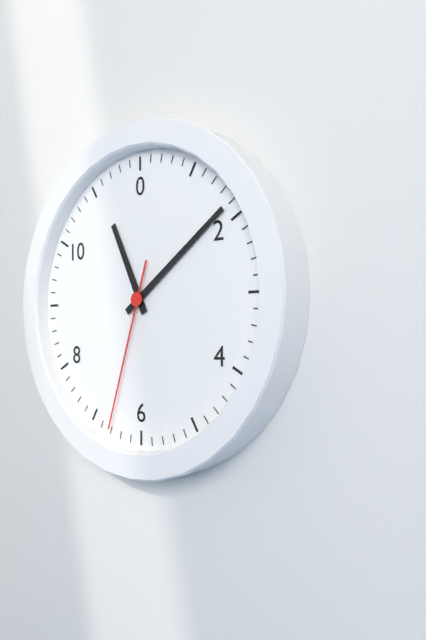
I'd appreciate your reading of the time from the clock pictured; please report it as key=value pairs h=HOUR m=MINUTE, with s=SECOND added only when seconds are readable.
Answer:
h=11 m=9 s=33
